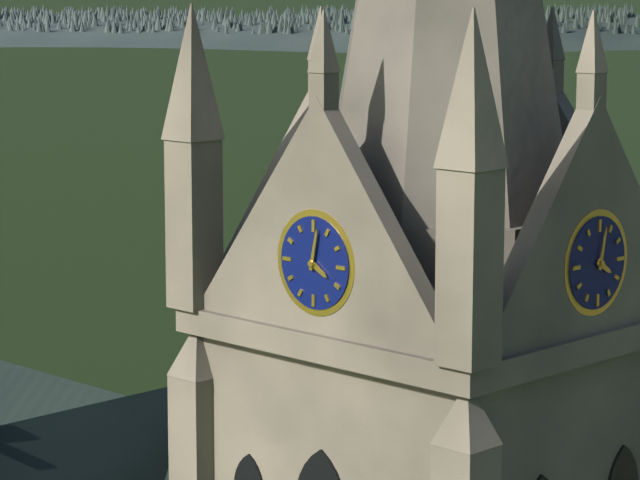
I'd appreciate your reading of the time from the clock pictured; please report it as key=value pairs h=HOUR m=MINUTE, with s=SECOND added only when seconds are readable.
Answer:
h=4 m=2
